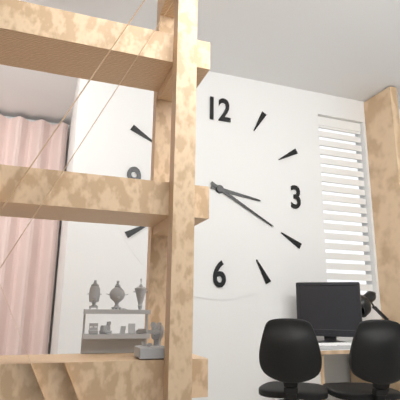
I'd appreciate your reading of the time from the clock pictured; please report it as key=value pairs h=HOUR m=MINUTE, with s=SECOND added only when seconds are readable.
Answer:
h=3 m=20
